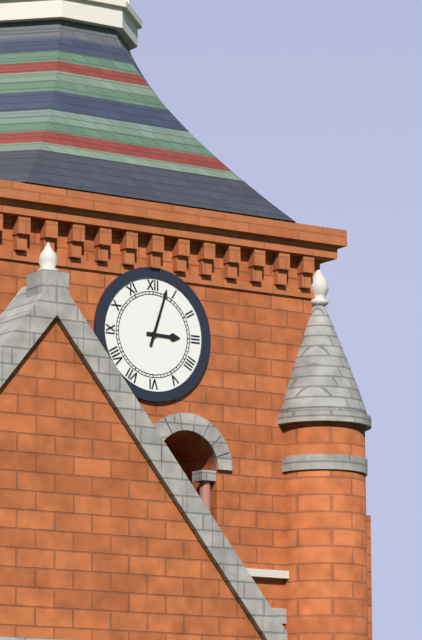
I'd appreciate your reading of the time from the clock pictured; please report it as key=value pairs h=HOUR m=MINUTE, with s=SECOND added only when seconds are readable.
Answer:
h=3 m=3
